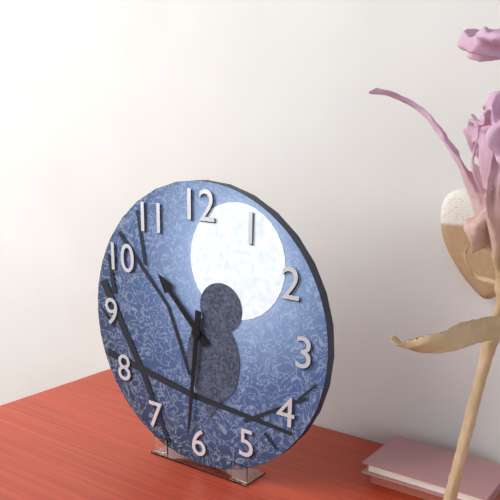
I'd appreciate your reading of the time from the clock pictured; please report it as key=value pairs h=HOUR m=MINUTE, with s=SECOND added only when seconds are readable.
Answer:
h=10 m=31
